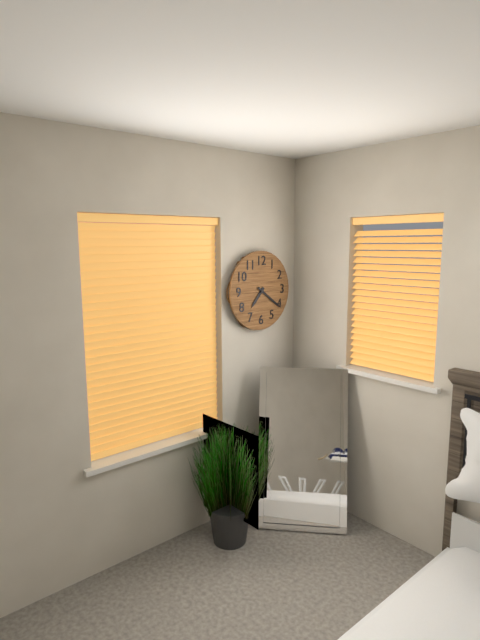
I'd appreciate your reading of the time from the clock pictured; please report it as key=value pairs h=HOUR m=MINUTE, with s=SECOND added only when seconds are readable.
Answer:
h=7 m=21
